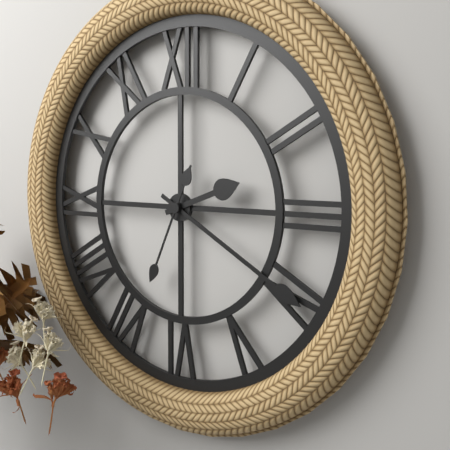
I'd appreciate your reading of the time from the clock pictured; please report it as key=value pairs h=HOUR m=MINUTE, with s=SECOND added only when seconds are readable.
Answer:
h=2 m=20 s=34
